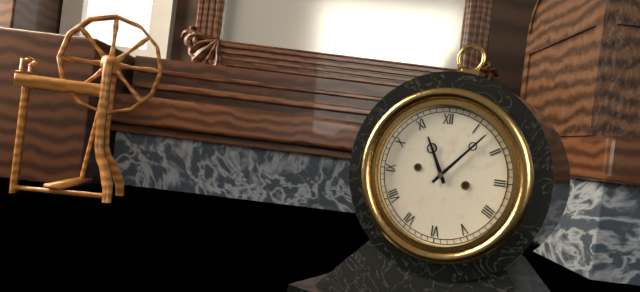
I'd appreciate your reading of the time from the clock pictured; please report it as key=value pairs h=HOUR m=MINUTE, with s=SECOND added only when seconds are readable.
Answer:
h=11 m=7
